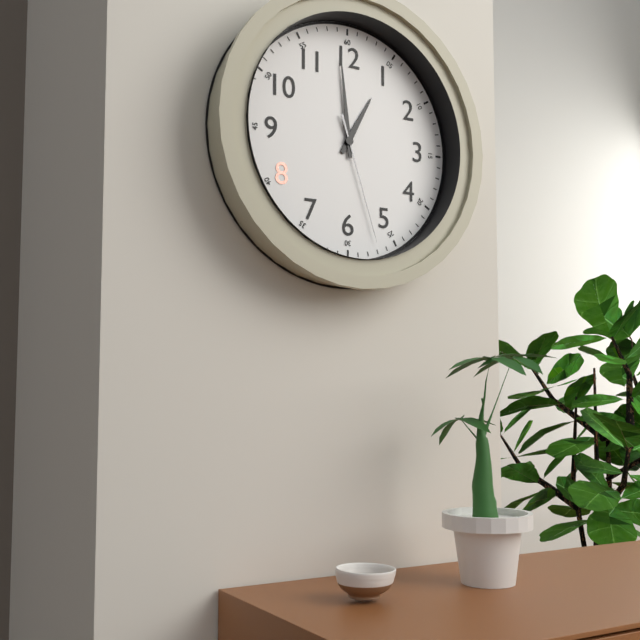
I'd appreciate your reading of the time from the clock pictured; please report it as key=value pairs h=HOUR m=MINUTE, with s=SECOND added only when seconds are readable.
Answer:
h=12 m=59 s=27
